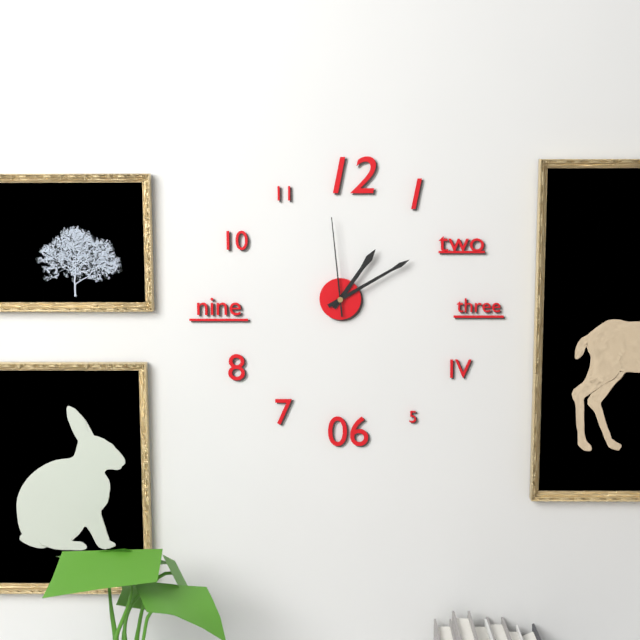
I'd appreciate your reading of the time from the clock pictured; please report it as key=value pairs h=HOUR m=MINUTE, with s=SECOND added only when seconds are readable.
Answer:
h=1 m=10 s=59
